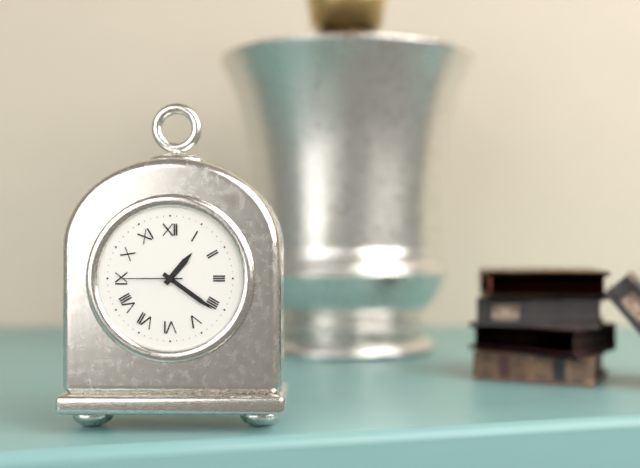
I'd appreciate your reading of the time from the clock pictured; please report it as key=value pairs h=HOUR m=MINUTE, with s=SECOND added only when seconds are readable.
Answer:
h=1 m=21 s=45
